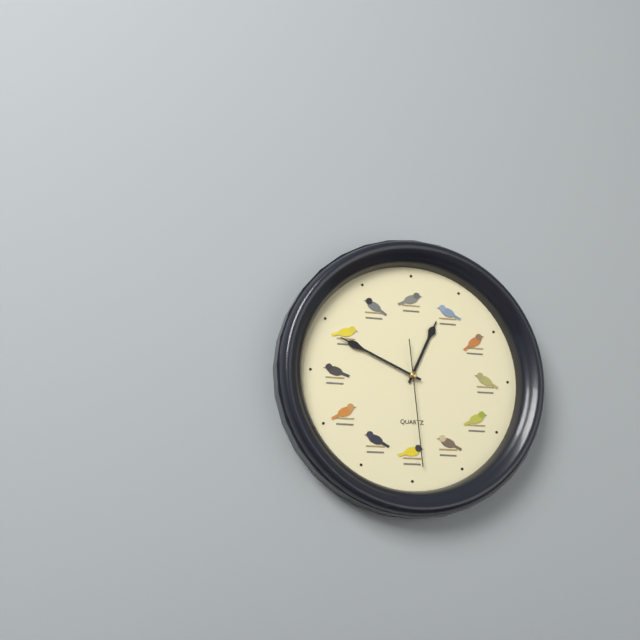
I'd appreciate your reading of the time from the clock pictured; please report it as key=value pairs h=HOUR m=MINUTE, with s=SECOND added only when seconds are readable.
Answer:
h=12 m=49 s=29
